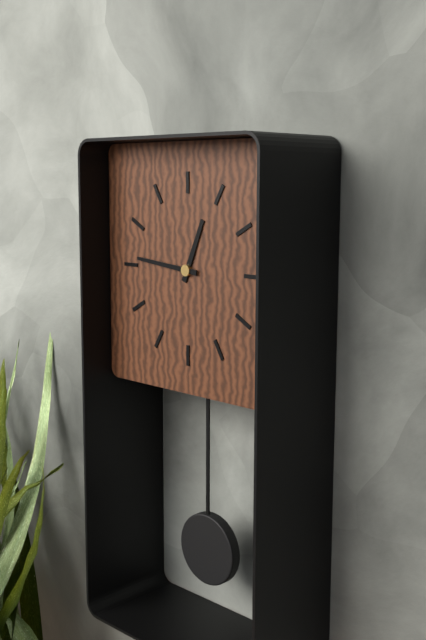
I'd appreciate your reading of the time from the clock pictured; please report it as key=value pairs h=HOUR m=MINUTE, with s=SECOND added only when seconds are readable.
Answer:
h=12 m=46
